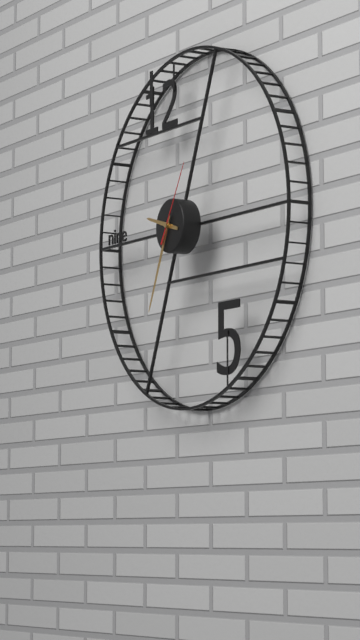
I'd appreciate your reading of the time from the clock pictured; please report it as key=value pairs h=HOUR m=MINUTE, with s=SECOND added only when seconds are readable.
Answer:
h=9 m=34 s=5
